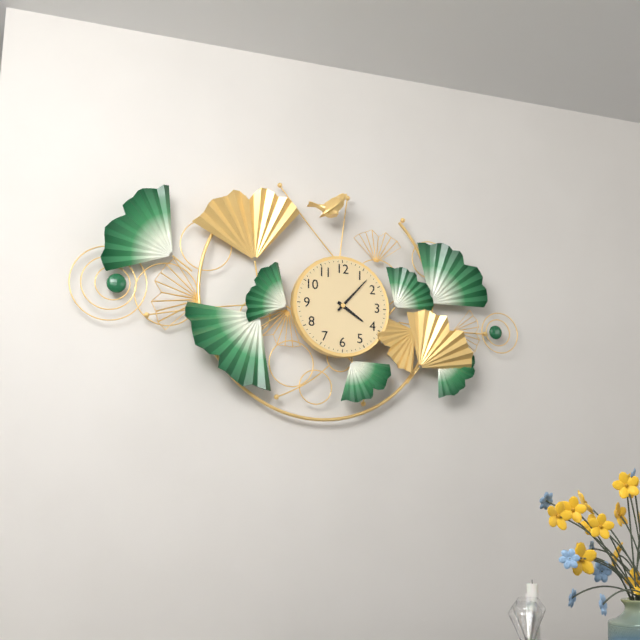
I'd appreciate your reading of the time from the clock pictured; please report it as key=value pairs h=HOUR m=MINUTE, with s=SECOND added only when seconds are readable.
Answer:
h=4 m=7
